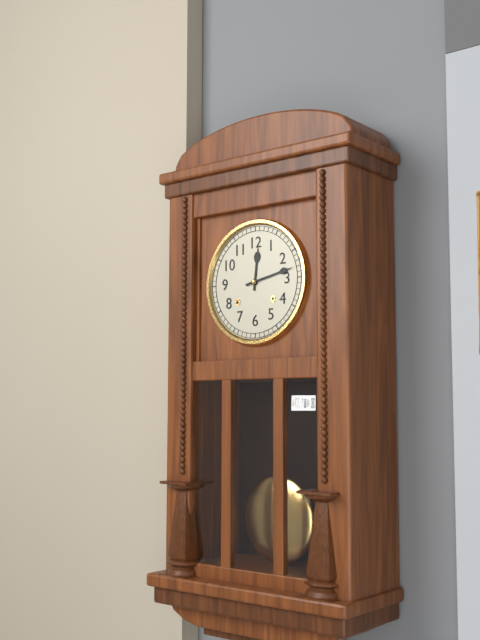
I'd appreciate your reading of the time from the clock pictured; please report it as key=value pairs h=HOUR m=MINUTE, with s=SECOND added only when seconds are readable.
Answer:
h=12 m=13
